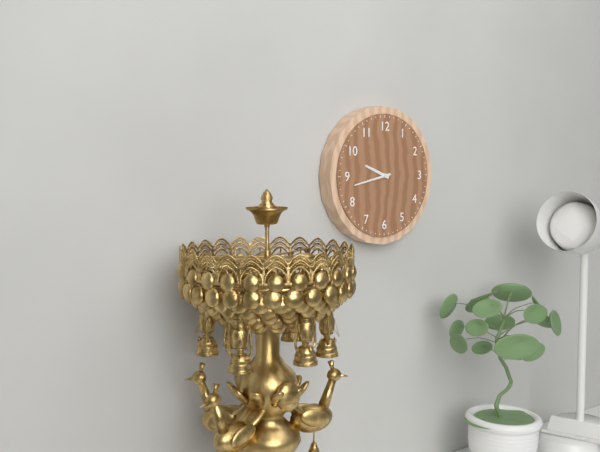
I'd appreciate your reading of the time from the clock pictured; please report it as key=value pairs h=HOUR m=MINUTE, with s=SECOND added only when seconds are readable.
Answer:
h=9 m=43
